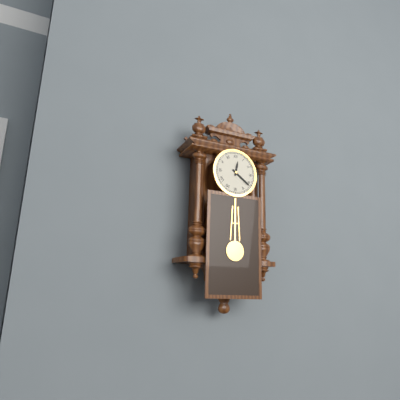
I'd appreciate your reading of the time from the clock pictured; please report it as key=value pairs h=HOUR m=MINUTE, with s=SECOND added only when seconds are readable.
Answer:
h=12 m=21
